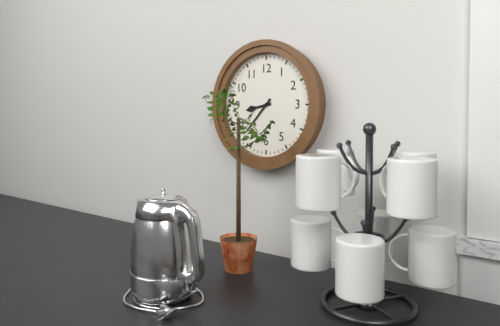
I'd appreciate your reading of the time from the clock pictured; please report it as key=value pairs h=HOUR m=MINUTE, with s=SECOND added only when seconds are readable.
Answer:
h=8 m=37
